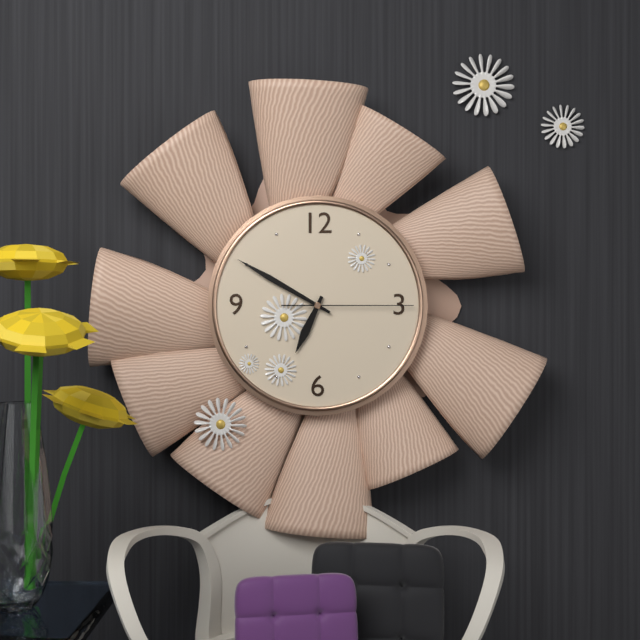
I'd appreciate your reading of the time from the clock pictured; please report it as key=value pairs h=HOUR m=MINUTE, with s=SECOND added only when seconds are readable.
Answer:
h=6 m=50 s=15
